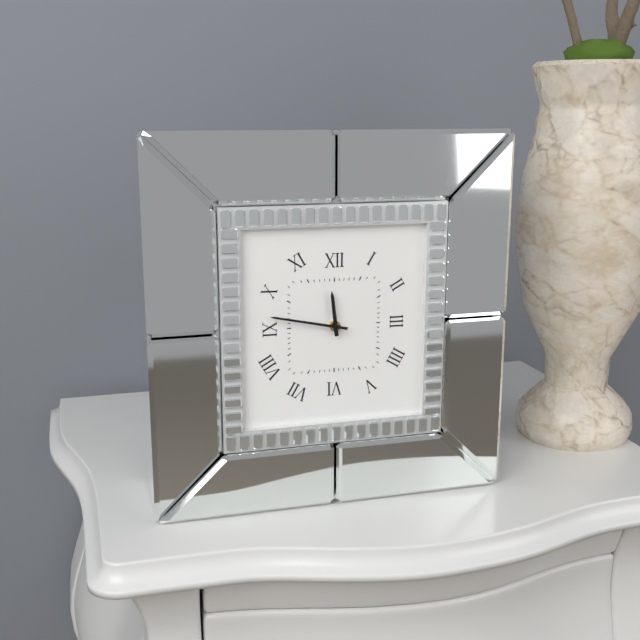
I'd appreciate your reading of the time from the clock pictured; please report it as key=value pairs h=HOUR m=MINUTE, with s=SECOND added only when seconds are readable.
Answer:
h=11 m=47
